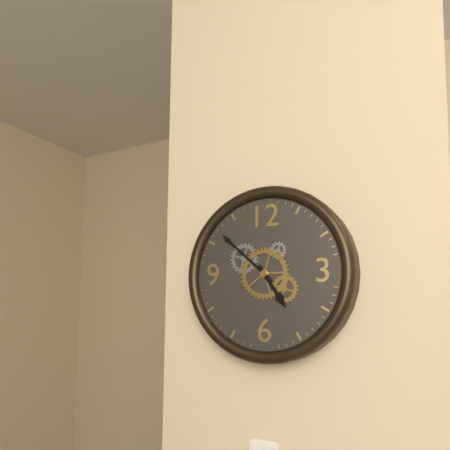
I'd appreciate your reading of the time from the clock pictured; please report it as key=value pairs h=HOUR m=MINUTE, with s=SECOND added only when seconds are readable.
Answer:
h=4 m=52
